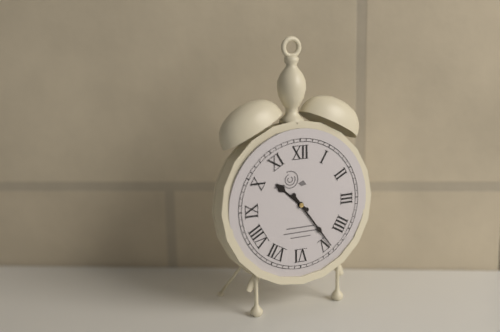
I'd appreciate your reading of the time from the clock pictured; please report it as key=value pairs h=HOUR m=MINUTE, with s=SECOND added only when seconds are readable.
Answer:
h=10 m=24
